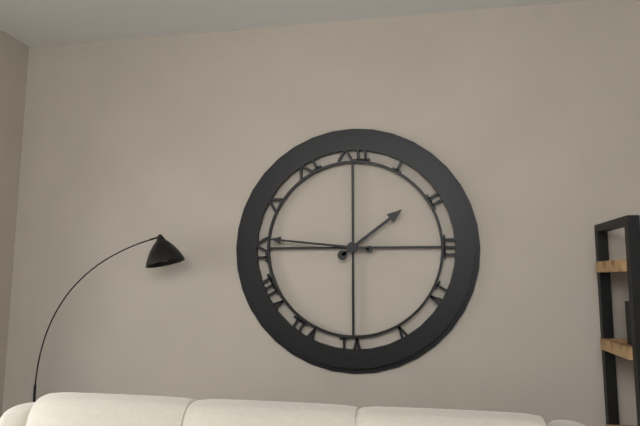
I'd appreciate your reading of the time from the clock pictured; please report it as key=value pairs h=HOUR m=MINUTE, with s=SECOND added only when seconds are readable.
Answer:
h=1 m=46
